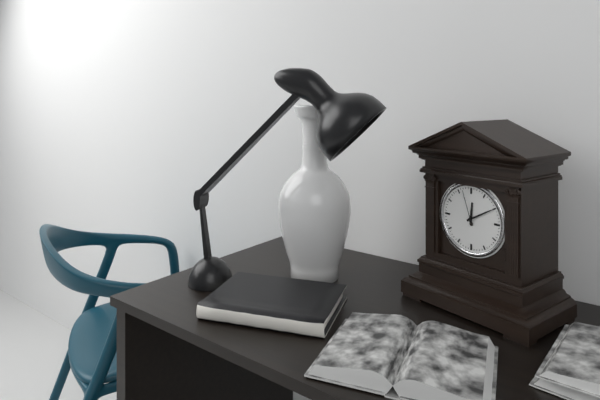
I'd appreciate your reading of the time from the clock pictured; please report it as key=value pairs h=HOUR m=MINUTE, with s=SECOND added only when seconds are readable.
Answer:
h=12 m=10
